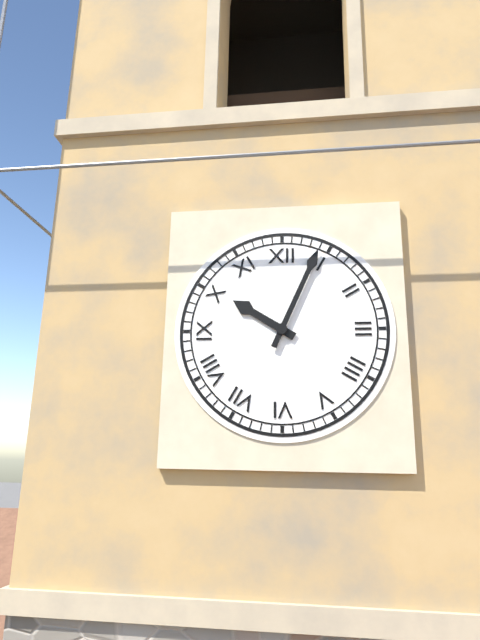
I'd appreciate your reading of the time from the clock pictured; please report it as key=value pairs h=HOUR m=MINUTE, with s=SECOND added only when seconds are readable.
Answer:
h=10 m=4
